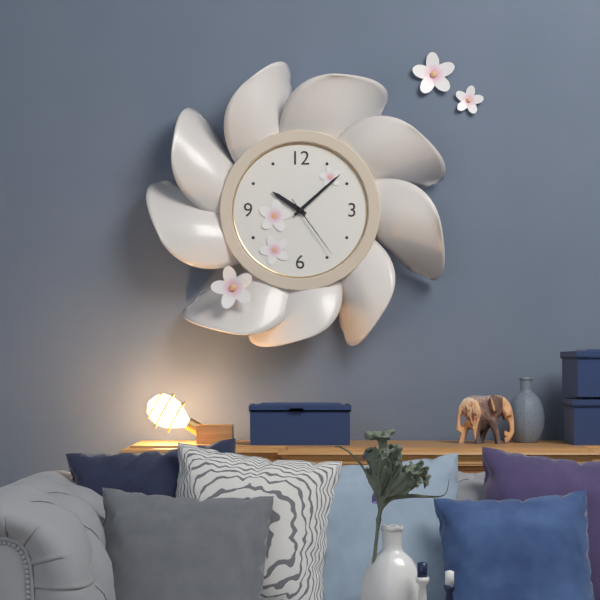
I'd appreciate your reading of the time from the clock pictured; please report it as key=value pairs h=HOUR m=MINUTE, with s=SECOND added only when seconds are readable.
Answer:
h=10 m=8 s=24
